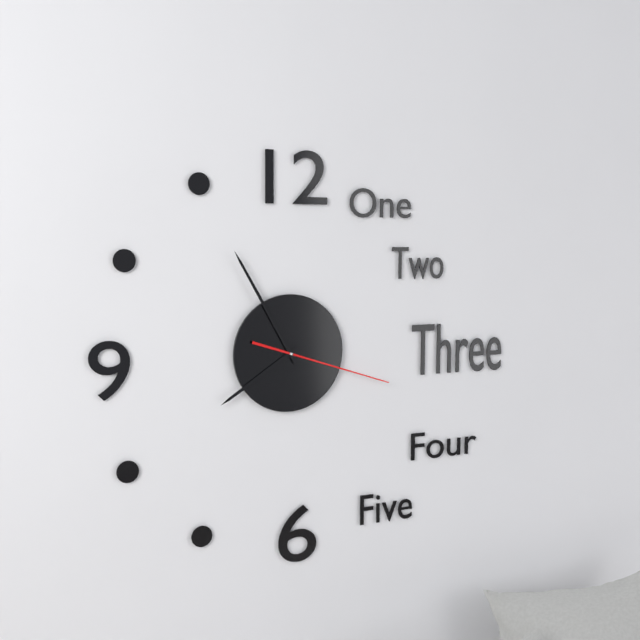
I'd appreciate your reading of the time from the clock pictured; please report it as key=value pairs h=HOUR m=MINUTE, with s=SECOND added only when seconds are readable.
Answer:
h=7 m=55 s=18
